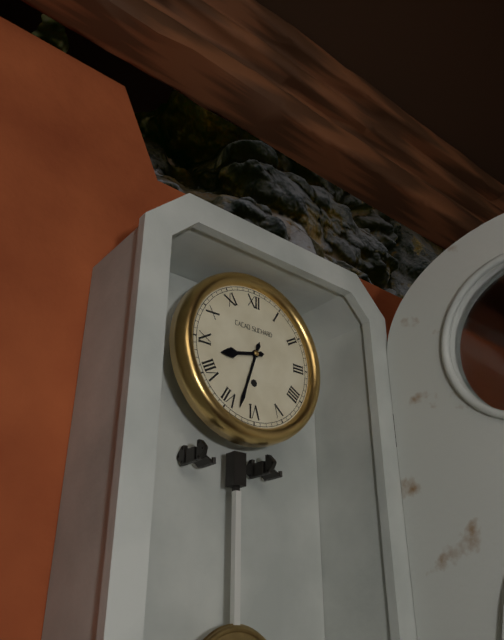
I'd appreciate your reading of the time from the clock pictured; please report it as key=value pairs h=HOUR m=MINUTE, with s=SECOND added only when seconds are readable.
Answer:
h=8 m=33
